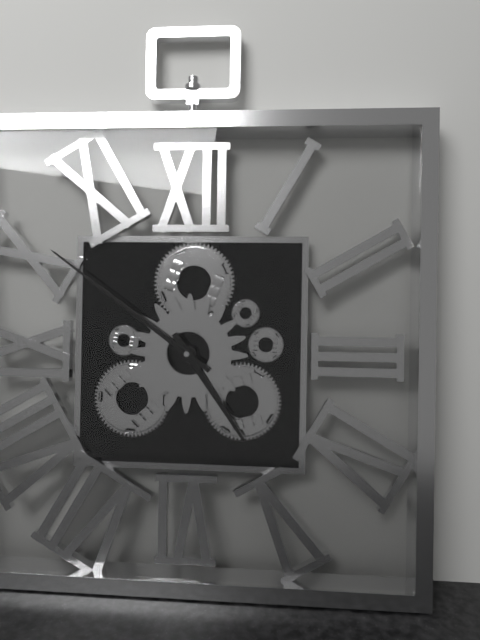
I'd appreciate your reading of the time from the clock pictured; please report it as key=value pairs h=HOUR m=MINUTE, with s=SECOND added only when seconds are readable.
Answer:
h=4 m=51
